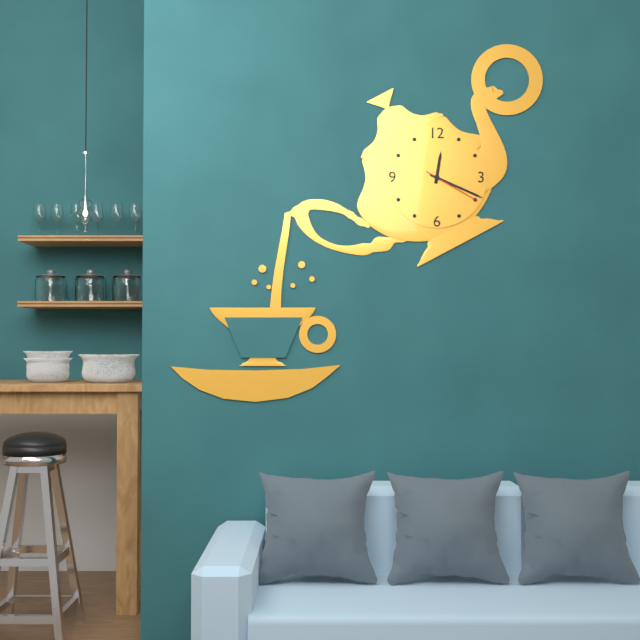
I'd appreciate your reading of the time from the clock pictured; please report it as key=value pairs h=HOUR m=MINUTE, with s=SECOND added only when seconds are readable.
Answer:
h=12 m=19 s=20
